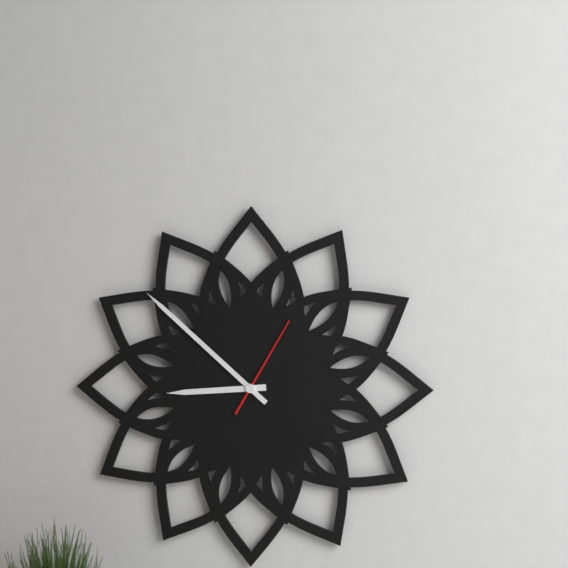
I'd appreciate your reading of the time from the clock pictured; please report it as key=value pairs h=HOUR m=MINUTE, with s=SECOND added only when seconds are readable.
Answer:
h=8 m=52 s=5
